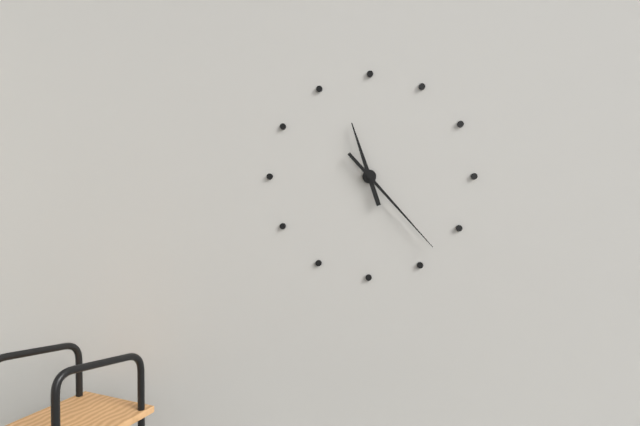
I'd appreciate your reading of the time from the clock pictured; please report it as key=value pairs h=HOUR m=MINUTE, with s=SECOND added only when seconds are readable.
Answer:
h=11 m=23
